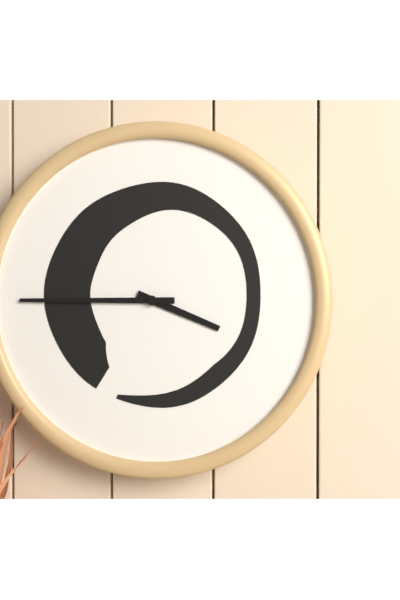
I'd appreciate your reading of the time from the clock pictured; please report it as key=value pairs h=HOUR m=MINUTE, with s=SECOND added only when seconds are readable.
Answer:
h=3 m=45
